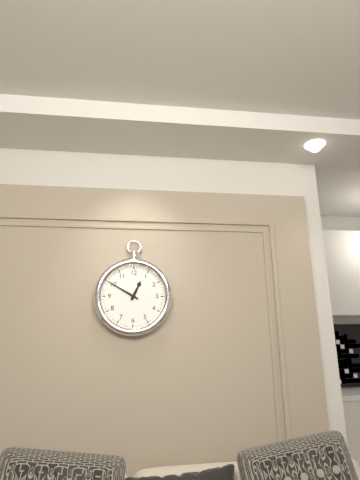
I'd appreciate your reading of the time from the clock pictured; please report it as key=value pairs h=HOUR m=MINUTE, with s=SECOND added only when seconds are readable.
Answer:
h=12 m=50
